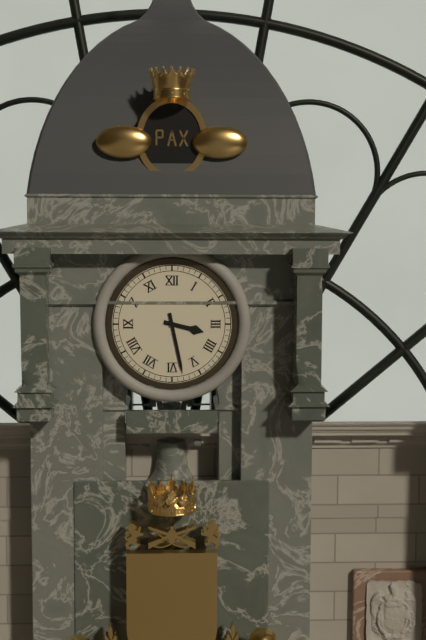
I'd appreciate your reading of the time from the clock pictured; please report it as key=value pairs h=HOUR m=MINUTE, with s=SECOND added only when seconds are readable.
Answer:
h=3 m=28
